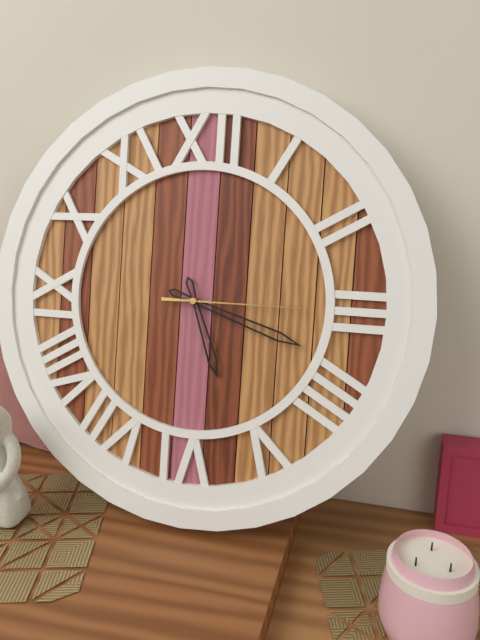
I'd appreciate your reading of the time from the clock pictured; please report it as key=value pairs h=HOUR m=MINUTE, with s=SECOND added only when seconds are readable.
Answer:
h=5 m=18 s=15
